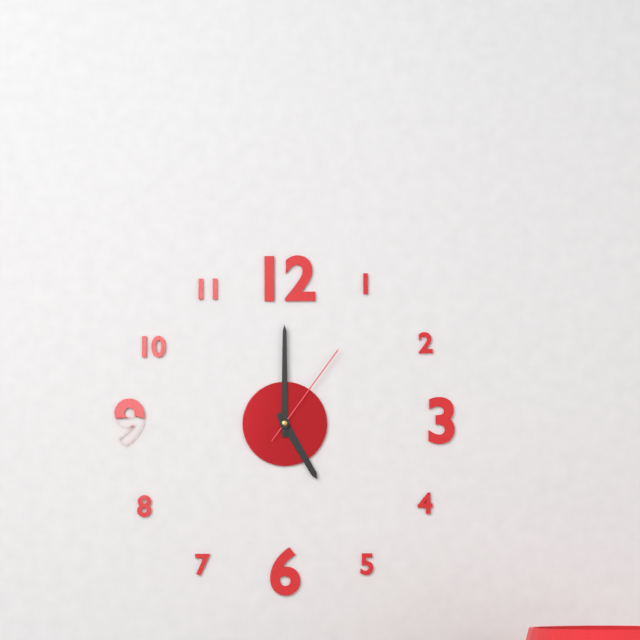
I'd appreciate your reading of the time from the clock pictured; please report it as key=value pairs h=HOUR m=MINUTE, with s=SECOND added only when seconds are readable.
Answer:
h=5 m=0 s=6
